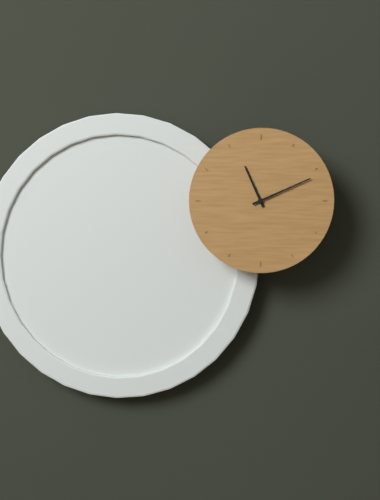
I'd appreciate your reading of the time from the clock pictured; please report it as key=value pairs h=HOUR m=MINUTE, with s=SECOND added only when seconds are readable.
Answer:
h=11 m=11
